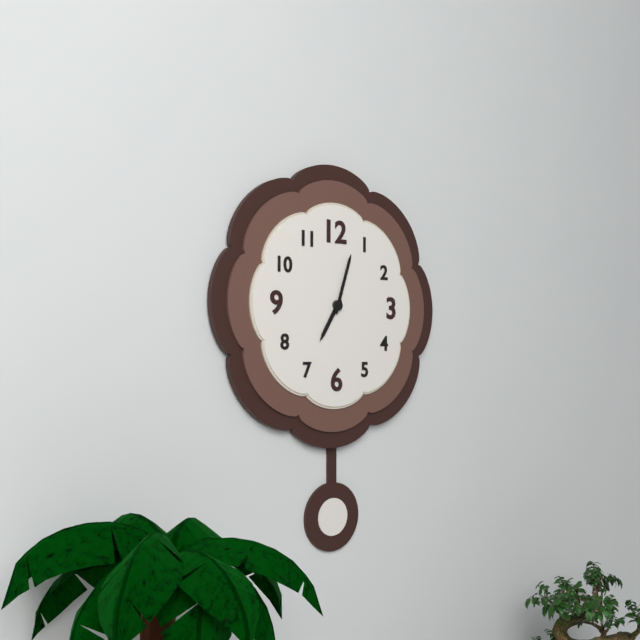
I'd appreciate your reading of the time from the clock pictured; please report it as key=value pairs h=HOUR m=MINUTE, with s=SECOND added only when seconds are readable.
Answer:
h=7 m=3
